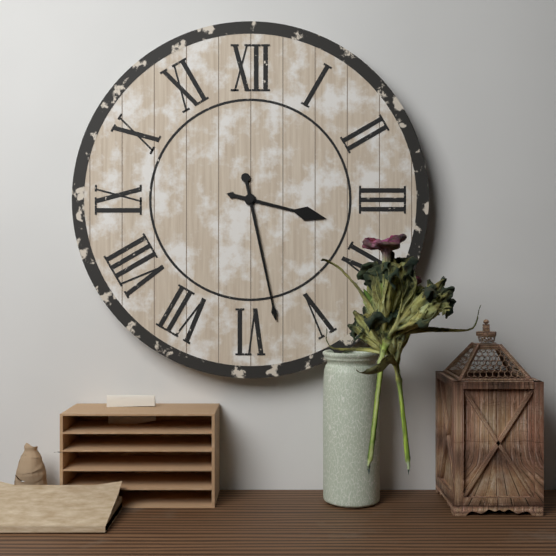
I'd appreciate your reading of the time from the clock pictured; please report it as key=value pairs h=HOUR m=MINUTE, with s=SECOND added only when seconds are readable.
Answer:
h=3 m=28
